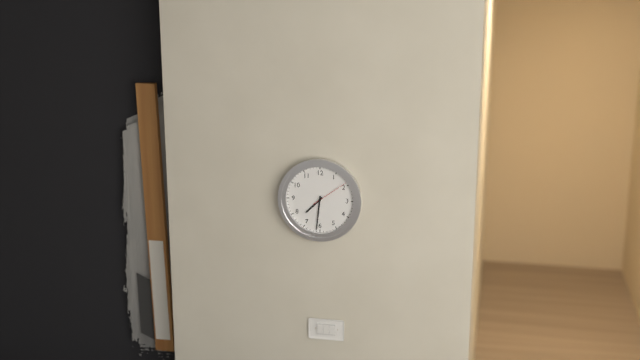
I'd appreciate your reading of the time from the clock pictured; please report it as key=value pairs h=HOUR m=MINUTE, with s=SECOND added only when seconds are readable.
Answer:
h=7 m=31
